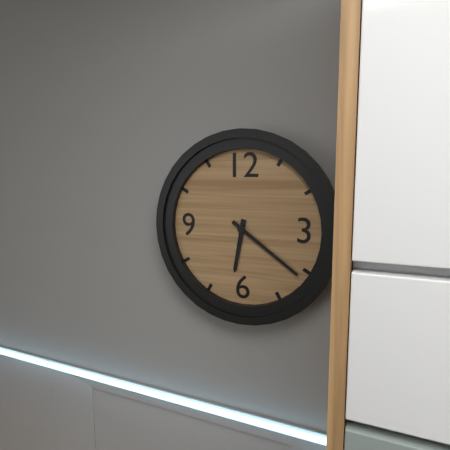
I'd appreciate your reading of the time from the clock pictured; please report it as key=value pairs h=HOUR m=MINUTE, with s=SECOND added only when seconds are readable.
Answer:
h=6 m=21
